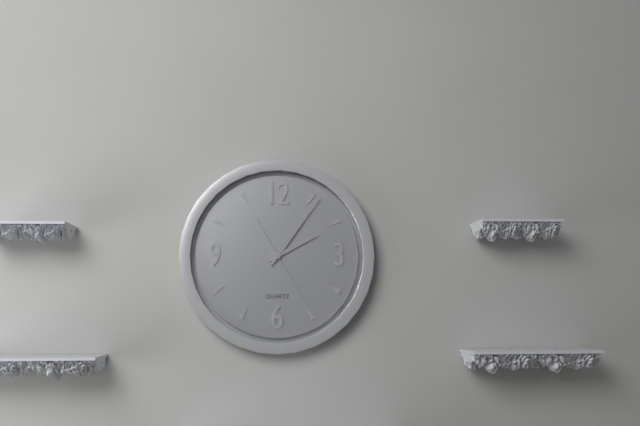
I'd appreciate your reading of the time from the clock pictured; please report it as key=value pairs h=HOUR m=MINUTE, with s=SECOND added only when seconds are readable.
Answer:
h=2 m=6 s=25
